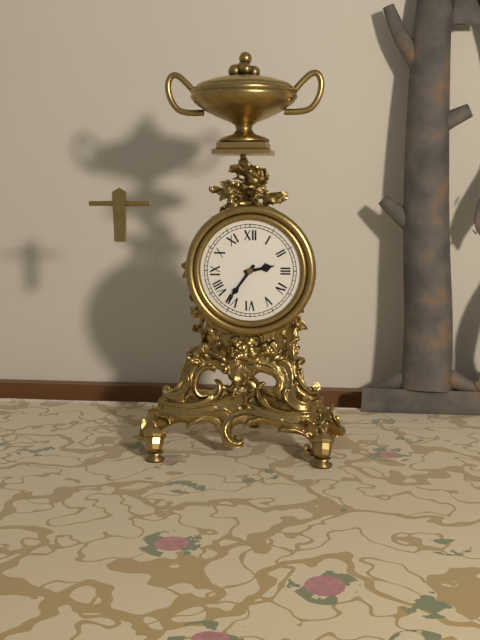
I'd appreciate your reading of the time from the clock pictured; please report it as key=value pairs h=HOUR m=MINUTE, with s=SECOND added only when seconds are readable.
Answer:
h=2 m=36
